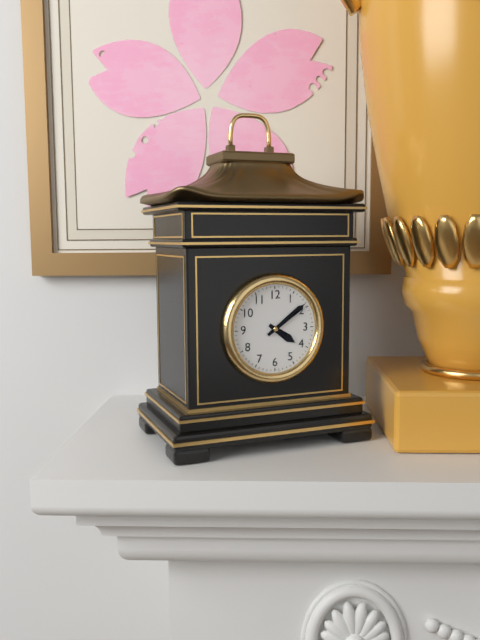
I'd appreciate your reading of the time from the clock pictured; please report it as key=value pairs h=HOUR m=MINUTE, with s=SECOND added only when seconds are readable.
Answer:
h=4 m=9
